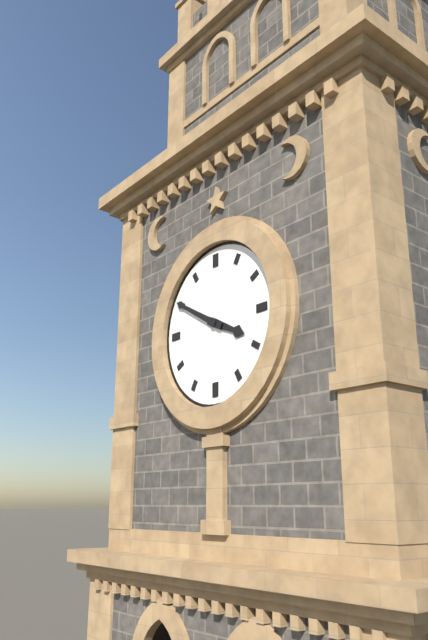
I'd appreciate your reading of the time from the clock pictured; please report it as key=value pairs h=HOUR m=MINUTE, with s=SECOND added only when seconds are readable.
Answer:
h=3 m=50
